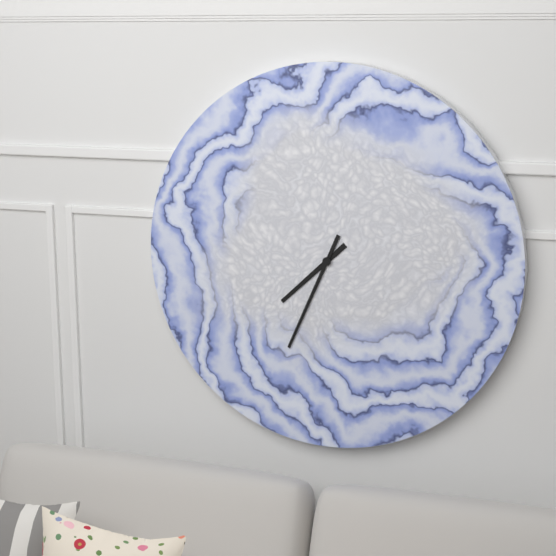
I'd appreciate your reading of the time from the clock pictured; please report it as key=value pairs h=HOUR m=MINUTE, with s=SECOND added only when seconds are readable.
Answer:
h=7 m=34
